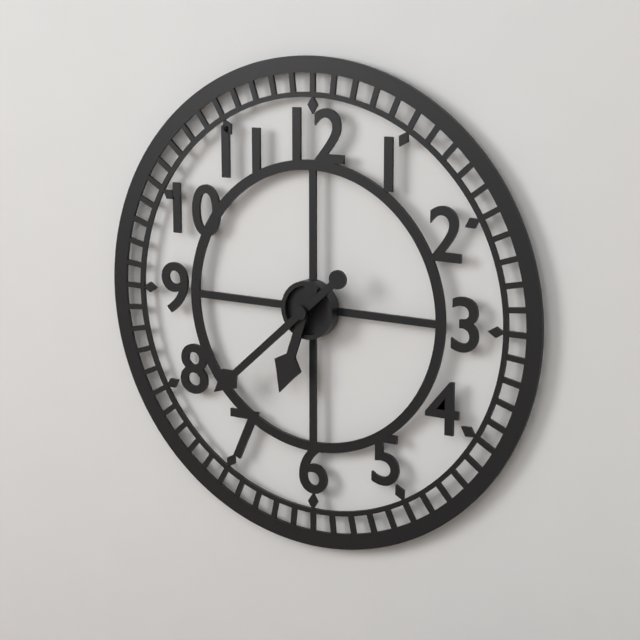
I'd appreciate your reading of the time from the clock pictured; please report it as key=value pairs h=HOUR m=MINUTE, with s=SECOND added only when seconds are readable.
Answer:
h=6 m=38
